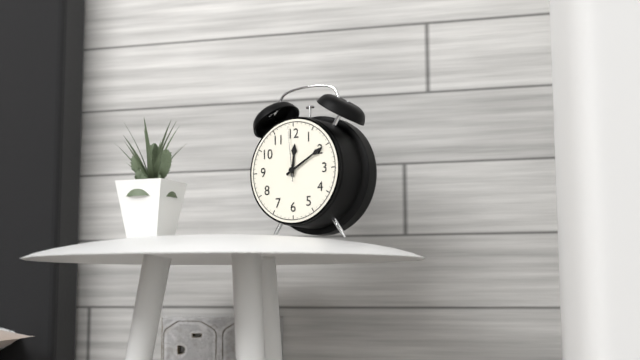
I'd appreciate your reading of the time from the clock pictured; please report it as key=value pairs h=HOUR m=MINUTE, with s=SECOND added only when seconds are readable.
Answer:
h=12 m=10 s=59
